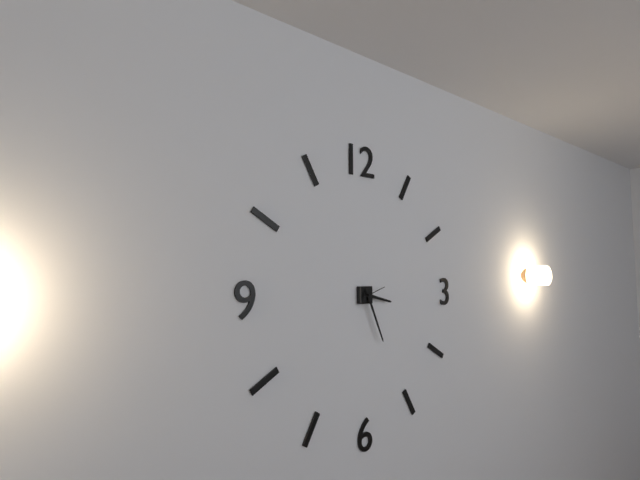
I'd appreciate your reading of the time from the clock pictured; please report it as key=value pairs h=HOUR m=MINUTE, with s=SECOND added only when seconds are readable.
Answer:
h=3 m=26
